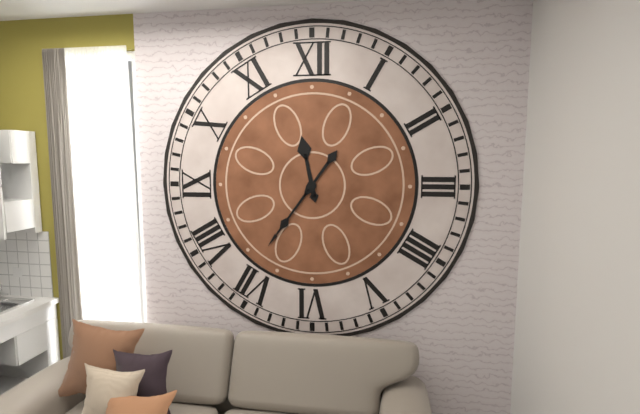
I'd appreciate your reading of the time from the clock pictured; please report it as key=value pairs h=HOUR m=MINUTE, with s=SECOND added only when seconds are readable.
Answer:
h=11 m=36
